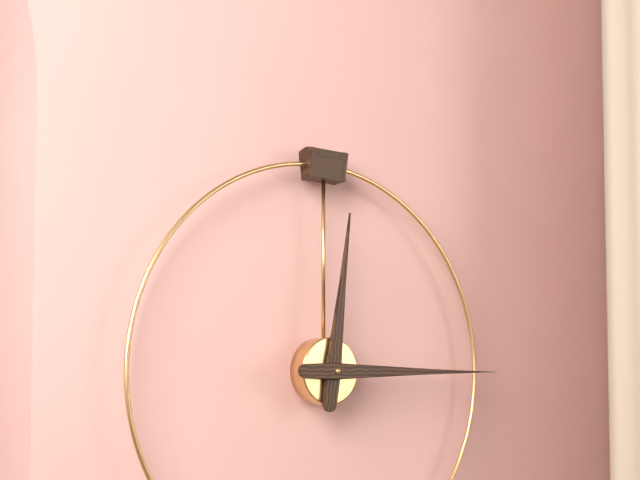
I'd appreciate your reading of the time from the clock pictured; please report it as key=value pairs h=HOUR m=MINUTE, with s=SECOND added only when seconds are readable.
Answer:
h=12 m=15
